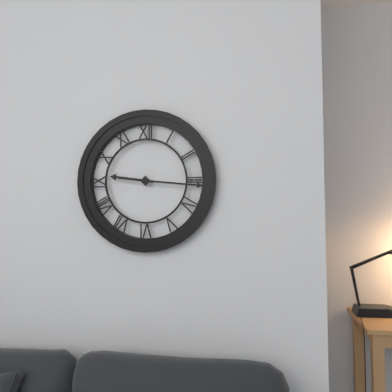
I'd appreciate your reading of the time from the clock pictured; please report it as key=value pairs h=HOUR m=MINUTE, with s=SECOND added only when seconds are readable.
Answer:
h=9 m=16
